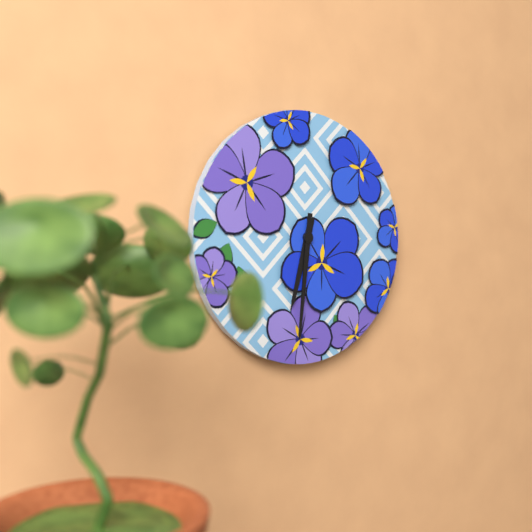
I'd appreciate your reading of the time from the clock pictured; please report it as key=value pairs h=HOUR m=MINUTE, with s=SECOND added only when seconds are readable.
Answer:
h=6 m=31
